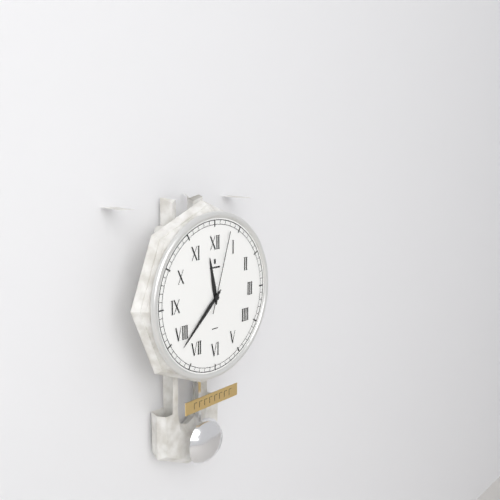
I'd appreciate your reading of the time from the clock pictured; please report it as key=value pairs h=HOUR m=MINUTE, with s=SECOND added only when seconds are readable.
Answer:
h=11 m=38 s=3
